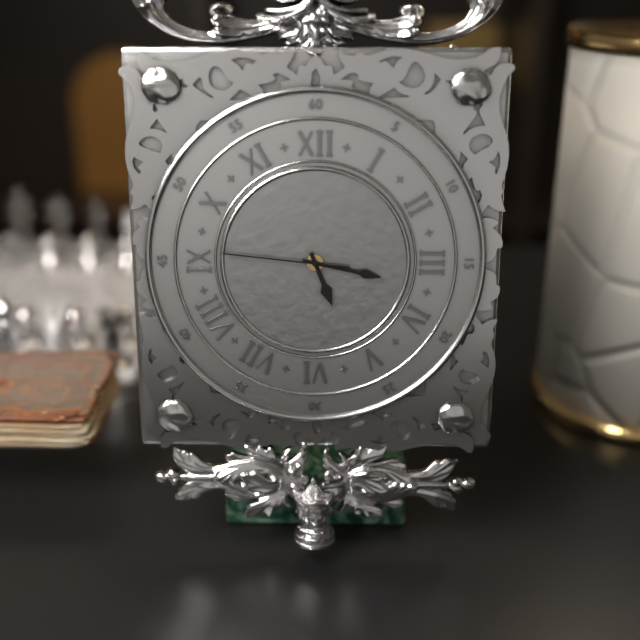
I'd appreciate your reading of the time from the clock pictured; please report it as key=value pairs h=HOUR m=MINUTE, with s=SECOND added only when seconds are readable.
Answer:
h=5 m=17 s=46
